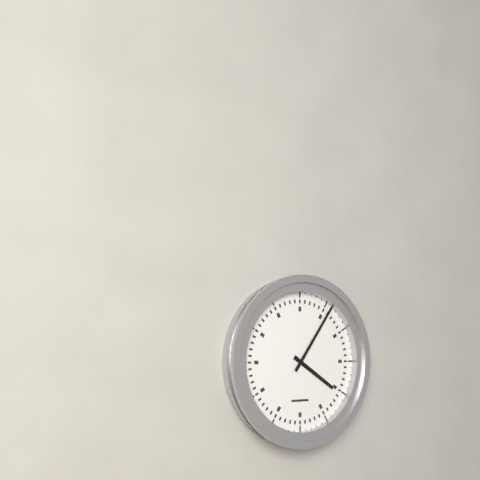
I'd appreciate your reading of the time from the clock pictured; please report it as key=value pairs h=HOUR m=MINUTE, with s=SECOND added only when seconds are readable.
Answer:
h=4 m=6
